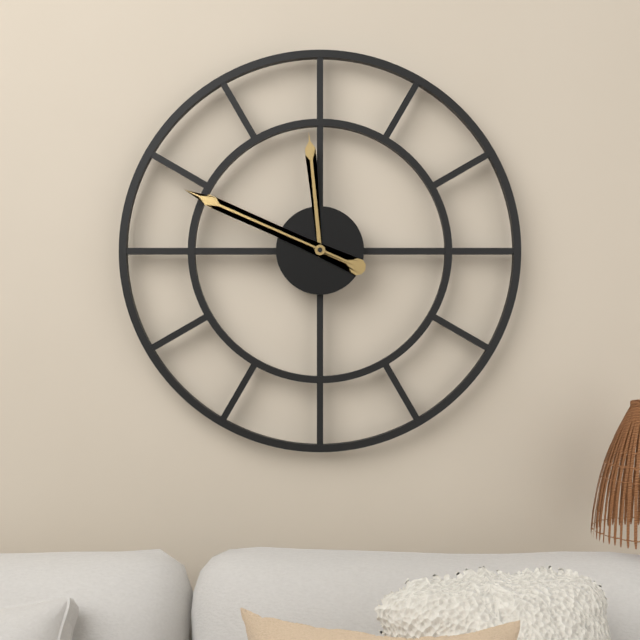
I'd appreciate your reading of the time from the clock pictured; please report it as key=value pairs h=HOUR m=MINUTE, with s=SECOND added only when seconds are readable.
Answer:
h=11 m=49
